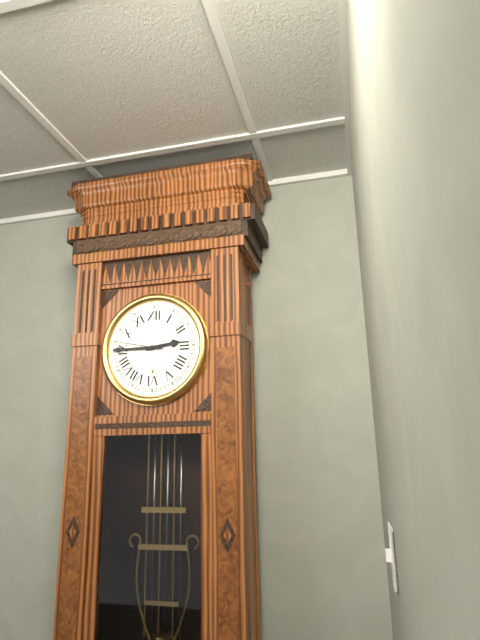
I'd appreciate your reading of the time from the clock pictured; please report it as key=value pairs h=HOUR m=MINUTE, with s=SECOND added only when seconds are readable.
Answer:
h=2 m=45 s=47
